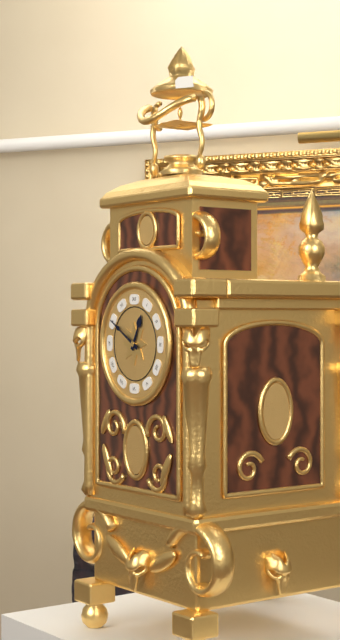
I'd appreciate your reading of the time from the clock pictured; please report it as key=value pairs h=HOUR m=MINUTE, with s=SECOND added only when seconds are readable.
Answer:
h=12 m=50
